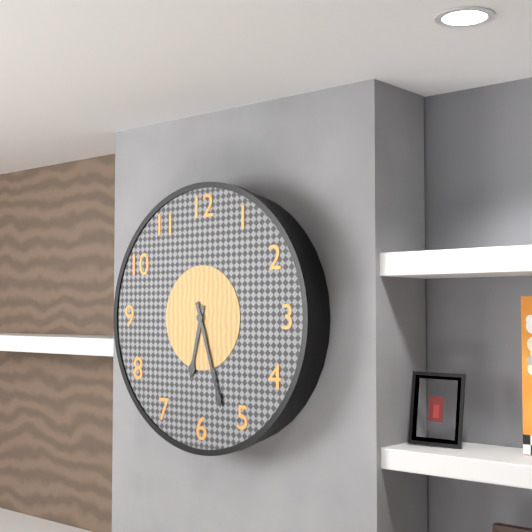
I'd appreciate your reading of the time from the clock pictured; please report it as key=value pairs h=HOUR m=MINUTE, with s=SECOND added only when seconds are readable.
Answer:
h=6 m=27
